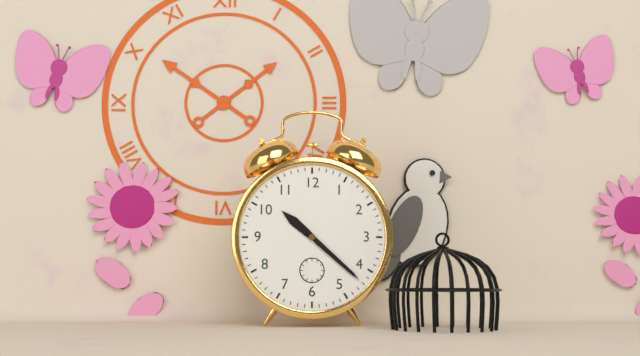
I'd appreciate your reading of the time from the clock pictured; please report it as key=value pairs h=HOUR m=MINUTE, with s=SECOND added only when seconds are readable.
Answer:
h=10 m=22
